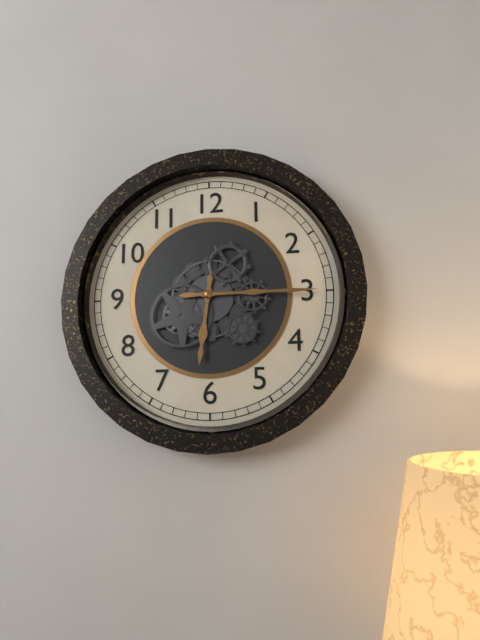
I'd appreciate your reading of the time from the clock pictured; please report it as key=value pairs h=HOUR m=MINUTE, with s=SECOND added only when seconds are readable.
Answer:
h=6 m=15
